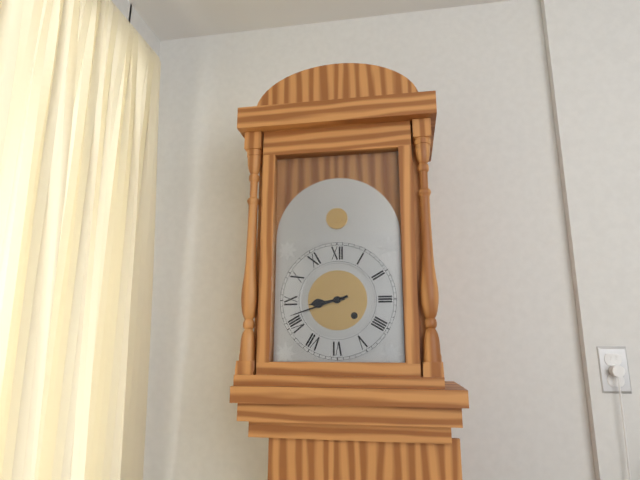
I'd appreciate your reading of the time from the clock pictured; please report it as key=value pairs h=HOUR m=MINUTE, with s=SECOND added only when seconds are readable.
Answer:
h=8 m=42
